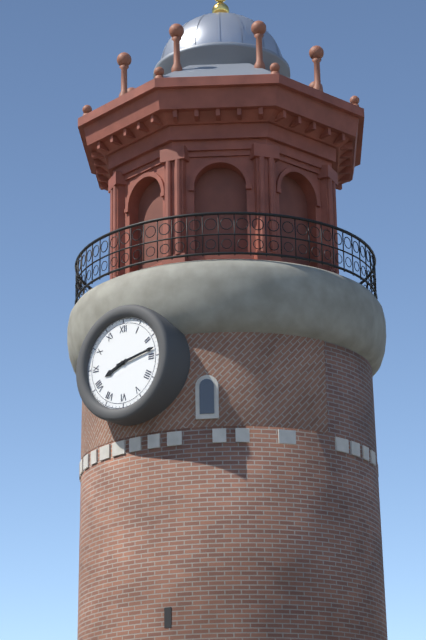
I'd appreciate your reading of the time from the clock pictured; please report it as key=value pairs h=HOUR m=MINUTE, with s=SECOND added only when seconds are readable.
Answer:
h=8 m=13
